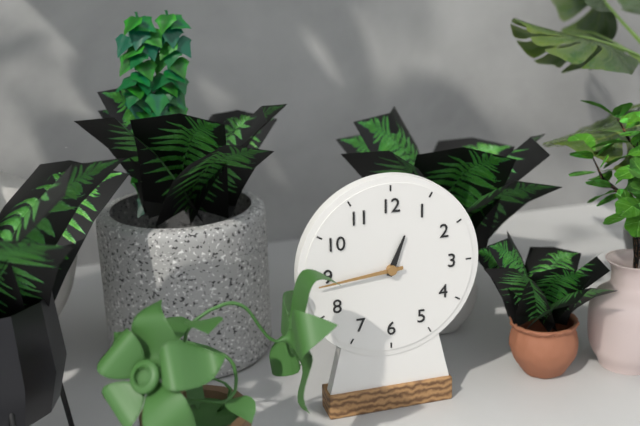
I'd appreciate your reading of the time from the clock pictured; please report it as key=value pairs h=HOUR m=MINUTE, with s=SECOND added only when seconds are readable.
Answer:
h=12 m=44
